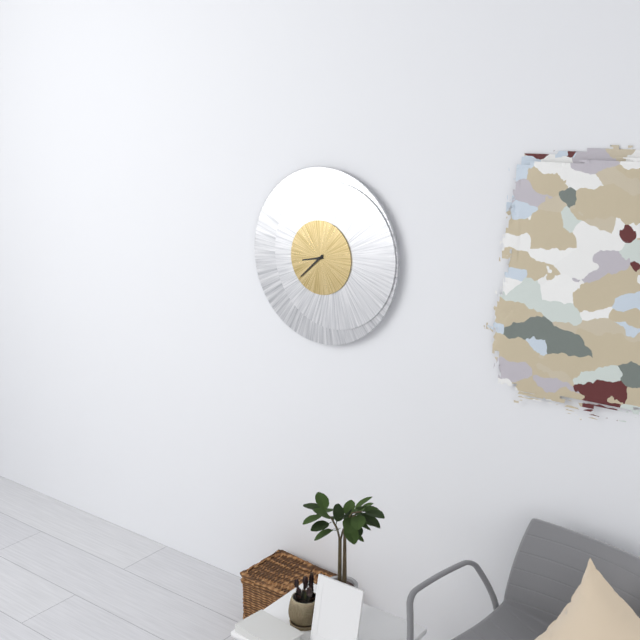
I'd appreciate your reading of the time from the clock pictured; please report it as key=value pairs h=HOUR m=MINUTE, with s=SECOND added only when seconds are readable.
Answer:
h=8 m=38
